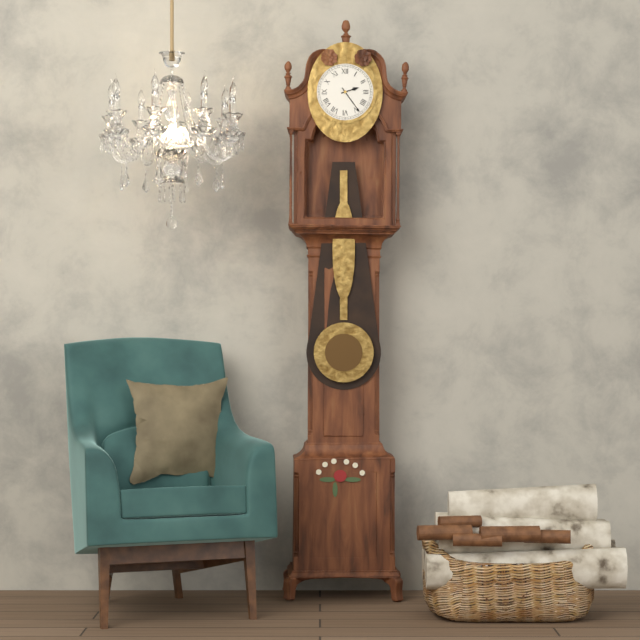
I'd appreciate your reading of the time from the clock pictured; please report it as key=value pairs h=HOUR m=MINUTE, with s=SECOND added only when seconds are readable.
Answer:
h=2 m=24
